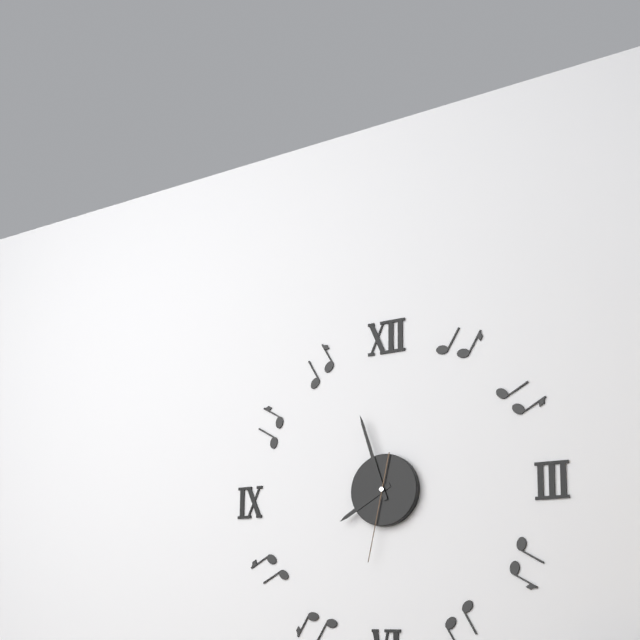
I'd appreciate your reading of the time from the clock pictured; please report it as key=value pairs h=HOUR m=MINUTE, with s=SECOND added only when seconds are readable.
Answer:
h=7 m=57 s=32
